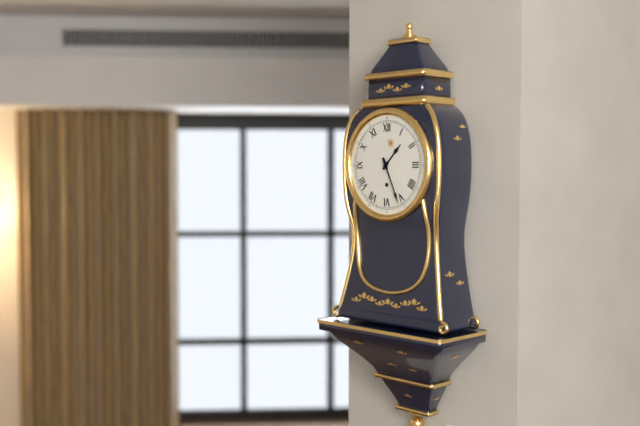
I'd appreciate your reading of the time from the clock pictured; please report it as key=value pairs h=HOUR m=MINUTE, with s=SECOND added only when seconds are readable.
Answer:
h=1 m=26
